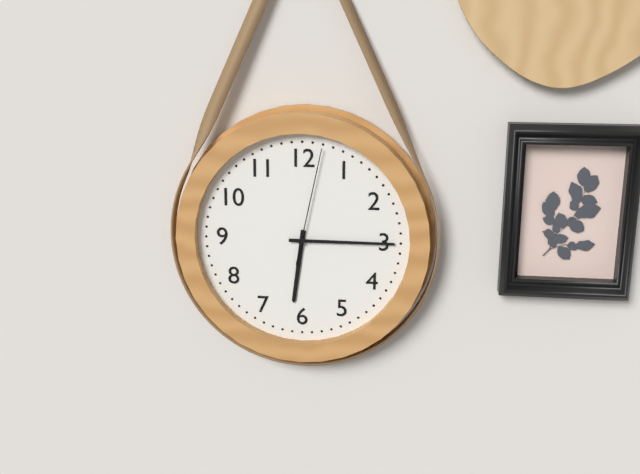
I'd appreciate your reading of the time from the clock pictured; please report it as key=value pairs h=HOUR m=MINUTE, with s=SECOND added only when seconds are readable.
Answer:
h=6 m=15 s=2
